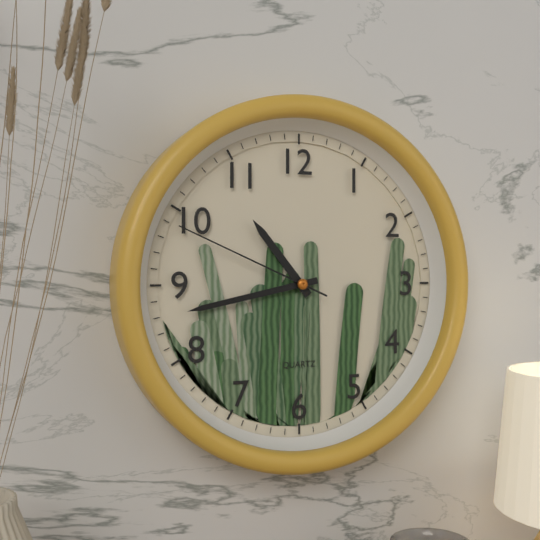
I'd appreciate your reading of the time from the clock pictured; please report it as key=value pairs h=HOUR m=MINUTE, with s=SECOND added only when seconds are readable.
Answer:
h=10 m=43 s=49
